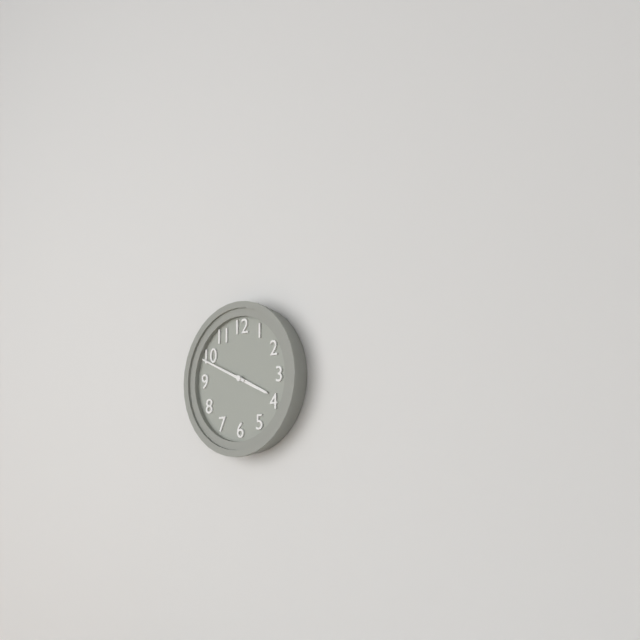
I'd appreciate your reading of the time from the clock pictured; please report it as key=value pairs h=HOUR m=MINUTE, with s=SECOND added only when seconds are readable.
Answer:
h=3 m=49
